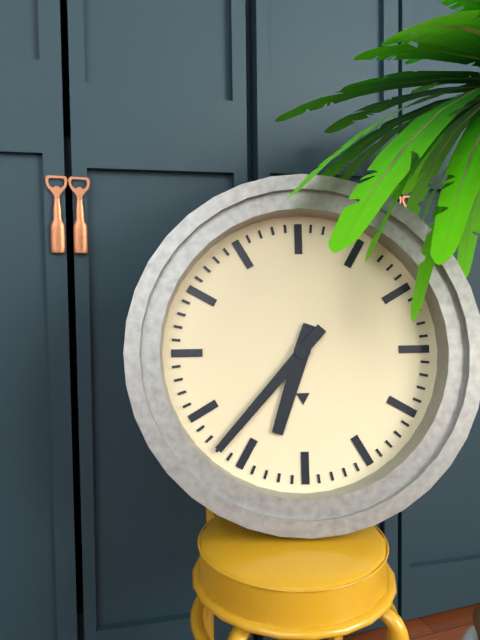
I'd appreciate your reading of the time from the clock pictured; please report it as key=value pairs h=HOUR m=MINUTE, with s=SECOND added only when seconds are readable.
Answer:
h=6 m=37
